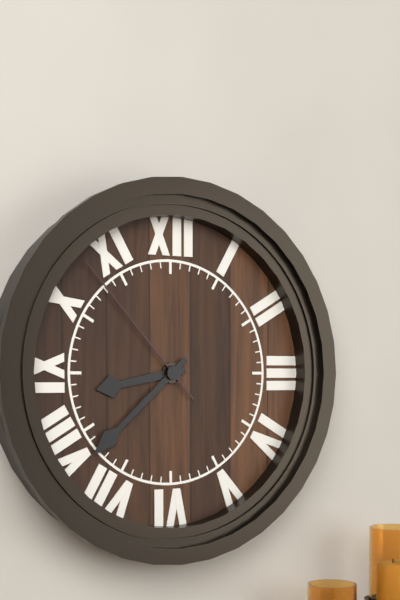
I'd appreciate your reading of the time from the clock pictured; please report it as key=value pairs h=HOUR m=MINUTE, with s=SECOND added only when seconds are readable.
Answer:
h=8 m=38 s=53
